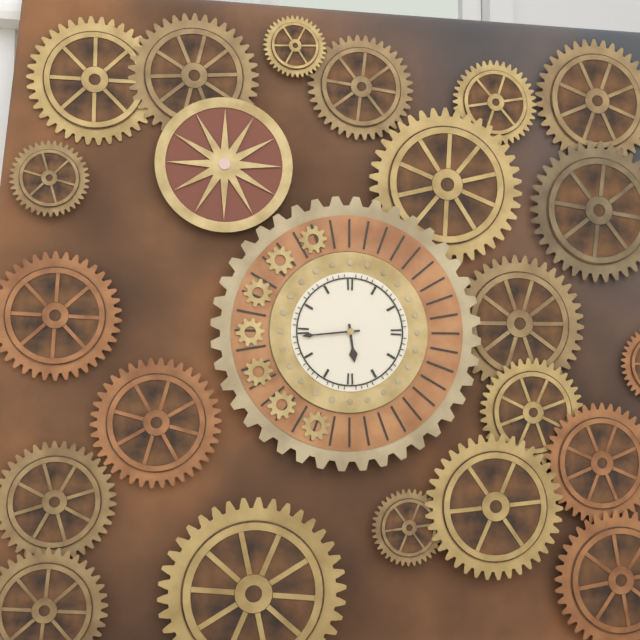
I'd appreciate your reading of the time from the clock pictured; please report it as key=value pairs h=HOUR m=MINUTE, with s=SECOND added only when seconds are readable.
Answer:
h=5 m=44
